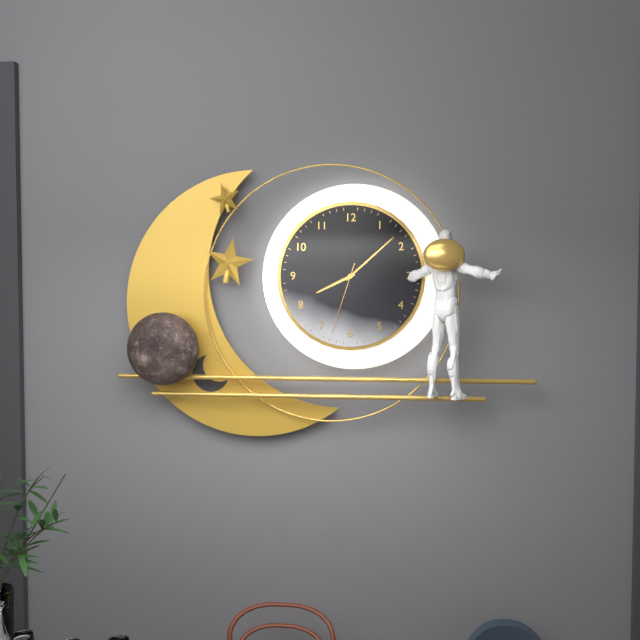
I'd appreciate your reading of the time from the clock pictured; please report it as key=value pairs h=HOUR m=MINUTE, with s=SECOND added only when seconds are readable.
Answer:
h=8 m=8 s=33
